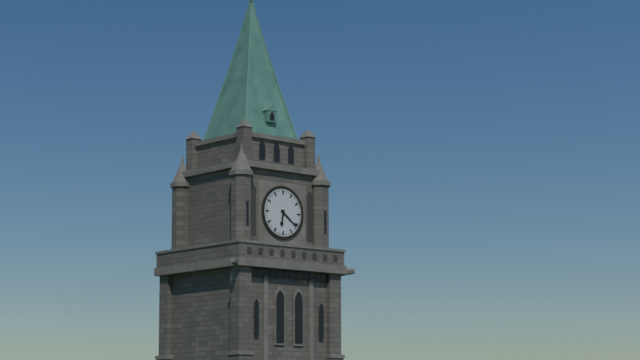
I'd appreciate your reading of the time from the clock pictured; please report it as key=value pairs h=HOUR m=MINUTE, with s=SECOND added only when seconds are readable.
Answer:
h=6 m=21
